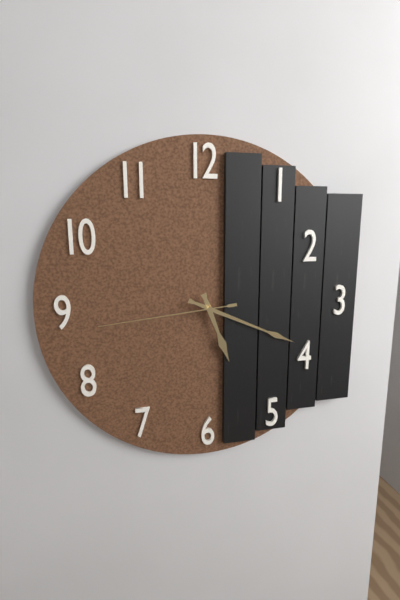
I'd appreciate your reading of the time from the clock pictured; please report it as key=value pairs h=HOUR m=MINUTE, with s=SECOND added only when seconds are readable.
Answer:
h=5 m=19 s=44
